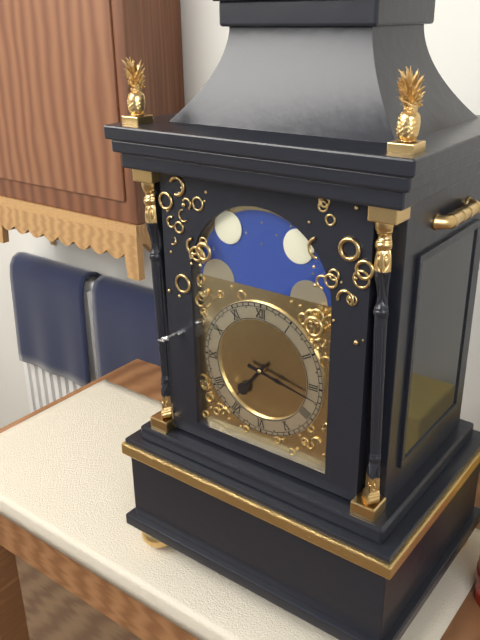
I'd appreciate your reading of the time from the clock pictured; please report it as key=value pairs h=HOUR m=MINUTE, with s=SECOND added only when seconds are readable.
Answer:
h=7 m=17
